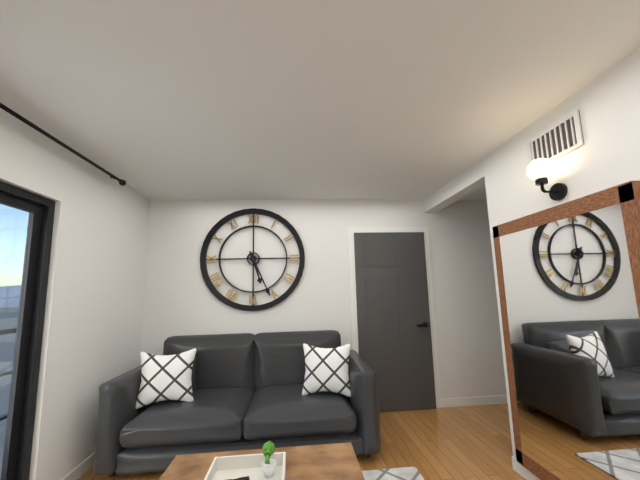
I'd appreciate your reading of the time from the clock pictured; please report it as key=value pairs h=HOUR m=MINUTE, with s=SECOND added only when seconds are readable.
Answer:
h=5 m=26
